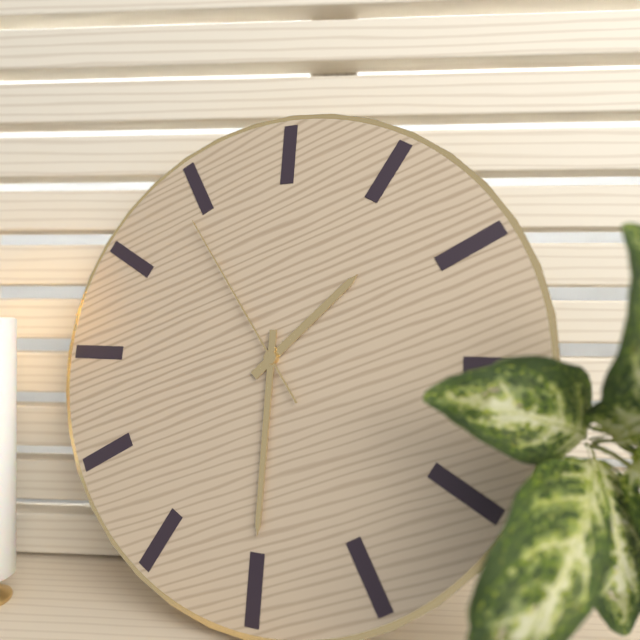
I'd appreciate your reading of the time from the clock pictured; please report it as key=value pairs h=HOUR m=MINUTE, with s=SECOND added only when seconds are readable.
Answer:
h=1 m=30 s=54
